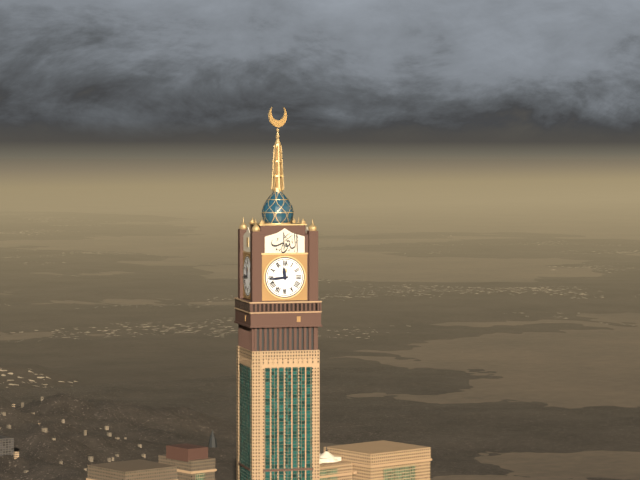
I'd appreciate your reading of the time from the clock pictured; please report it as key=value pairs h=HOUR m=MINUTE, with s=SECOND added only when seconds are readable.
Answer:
h=11 m=44
